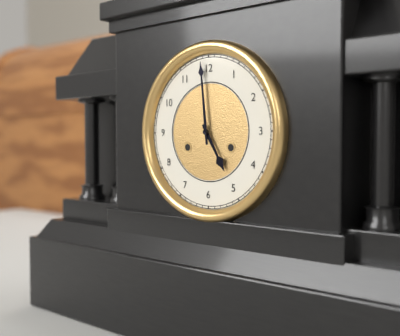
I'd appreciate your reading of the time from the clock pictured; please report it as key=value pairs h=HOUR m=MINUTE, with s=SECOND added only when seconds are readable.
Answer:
h=4 m=59
